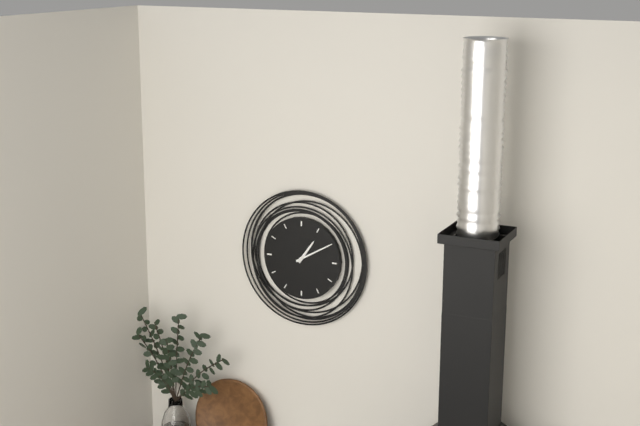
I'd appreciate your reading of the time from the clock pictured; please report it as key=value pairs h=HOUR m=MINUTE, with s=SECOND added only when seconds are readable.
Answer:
h=1 m=10
